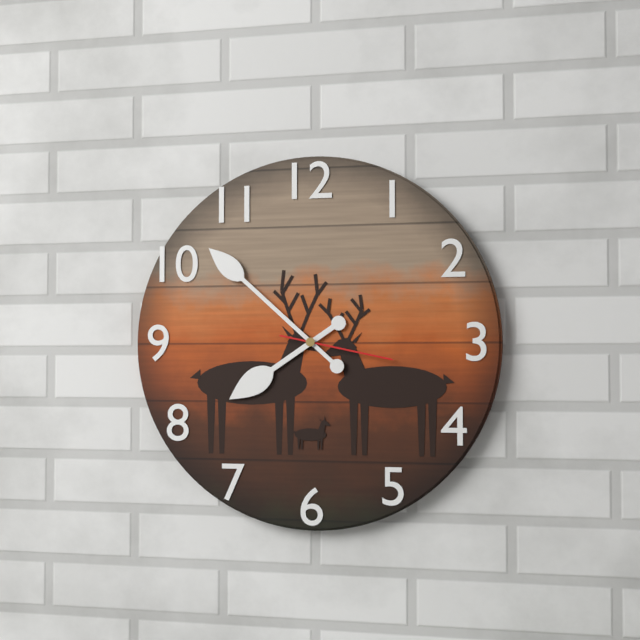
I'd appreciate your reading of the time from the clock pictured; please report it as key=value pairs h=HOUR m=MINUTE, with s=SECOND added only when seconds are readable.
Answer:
h=7 m=52 s=17
